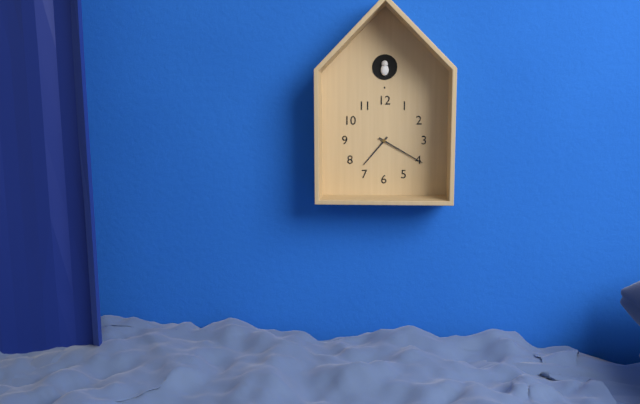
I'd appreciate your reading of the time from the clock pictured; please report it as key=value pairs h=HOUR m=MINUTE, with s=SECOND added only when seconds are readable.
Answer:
h=7 m=20
